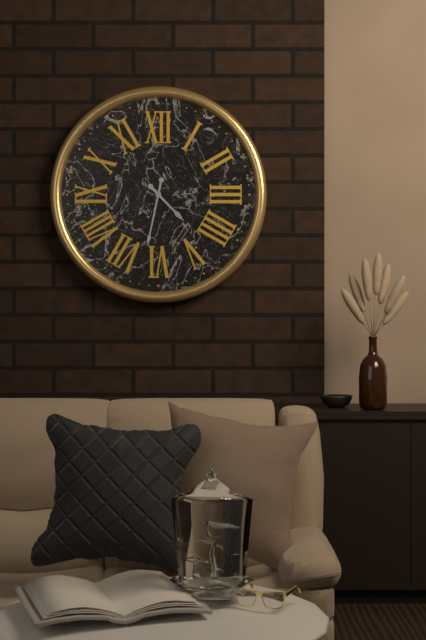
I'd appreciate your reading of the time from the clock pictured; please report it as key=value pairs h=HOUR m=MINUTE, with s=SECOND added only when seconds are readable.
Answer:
h=4 m=32
